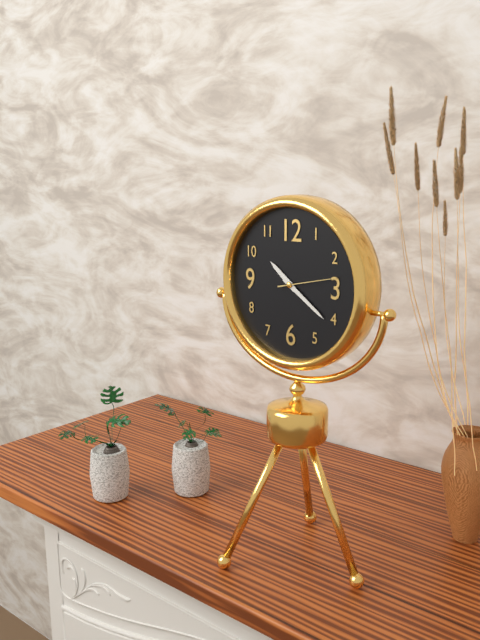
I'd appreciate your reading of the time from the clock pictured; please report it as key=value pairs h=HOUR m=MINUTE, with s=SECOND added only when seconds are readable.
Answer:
h=10 m=21 s=13
